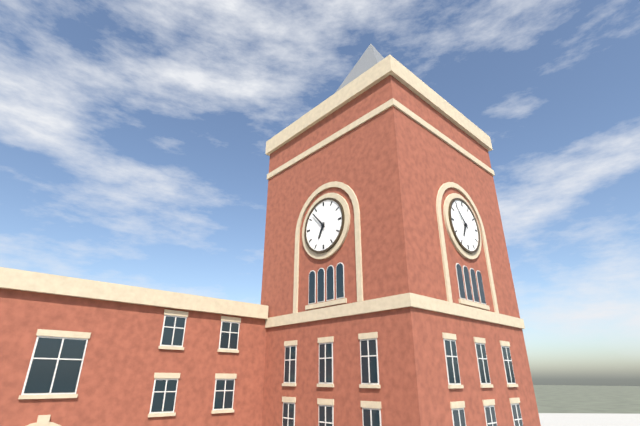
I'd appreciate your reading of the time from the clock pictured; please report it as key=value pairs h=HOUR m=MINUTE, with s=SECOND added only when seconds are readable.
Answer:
h=6 m=53
